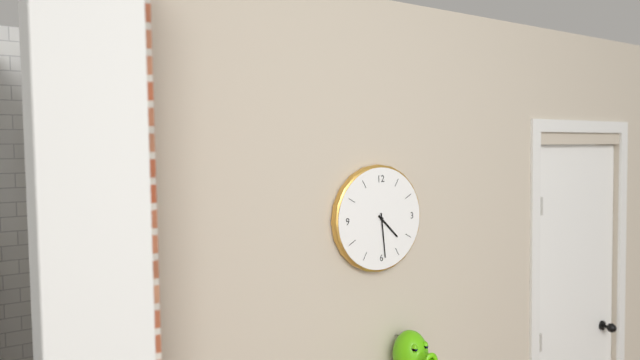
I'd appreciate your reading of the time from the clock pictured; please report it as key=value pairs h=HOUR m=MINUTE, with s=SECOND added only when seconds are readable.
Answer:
h=4 m=29
